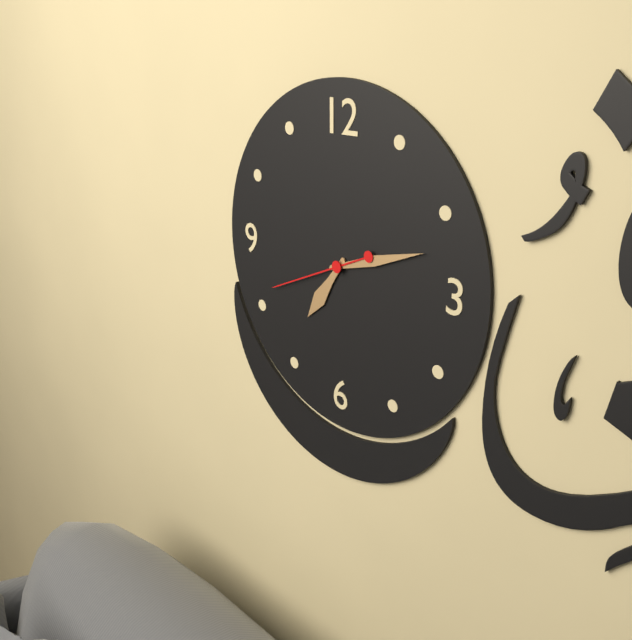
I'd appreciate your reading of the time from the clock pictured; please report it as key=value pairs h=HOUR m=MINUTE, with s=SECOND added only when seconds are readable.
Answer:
h=7 m=12 s=41
